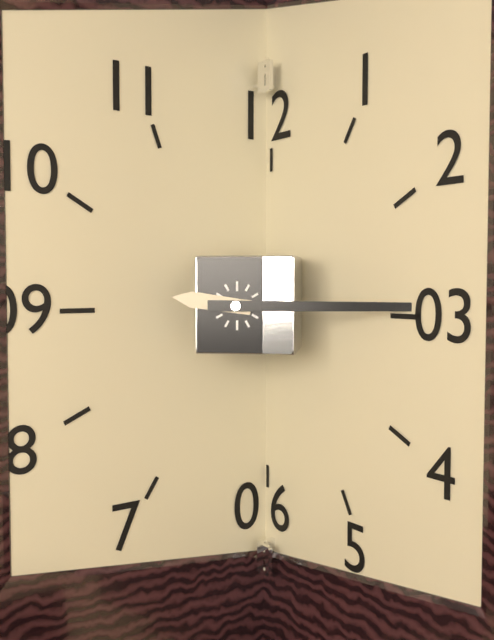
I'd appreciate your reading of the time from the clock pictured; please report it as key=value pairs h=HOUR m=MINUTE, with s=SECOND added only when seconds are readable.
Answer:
h=9 m=15
